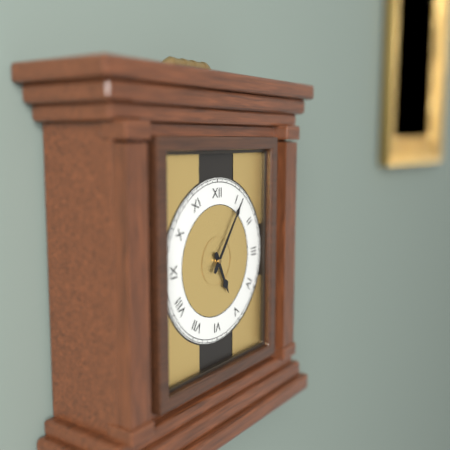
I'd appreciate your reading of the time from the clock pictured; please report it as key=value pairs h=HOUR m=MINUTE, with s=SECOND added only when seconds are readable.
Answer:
h=5 m=6
